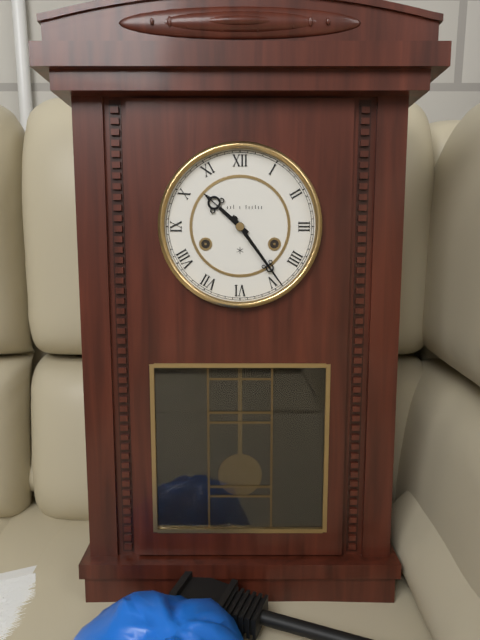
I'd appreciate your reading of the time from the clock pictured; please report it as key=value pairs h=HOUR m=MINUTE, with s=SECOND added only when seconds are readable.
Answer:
h=10 m=24
